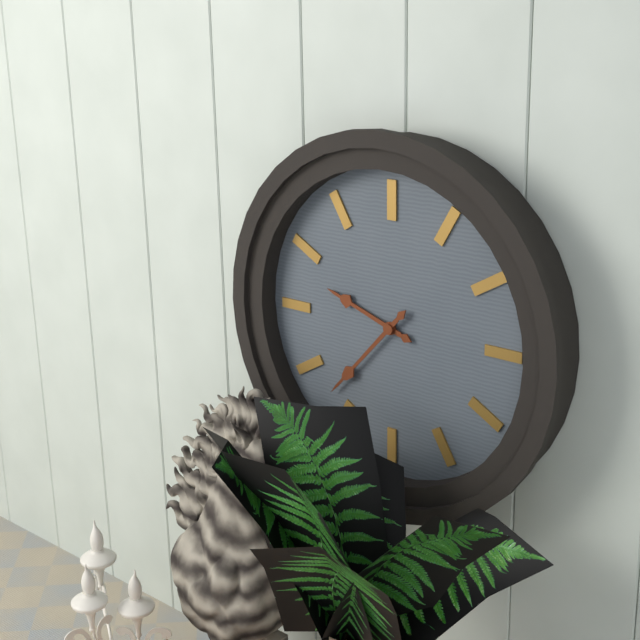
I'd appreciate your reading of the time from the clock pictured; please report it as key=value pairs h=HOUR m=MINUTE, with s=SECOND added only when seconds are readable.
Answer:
h=9 m=37
